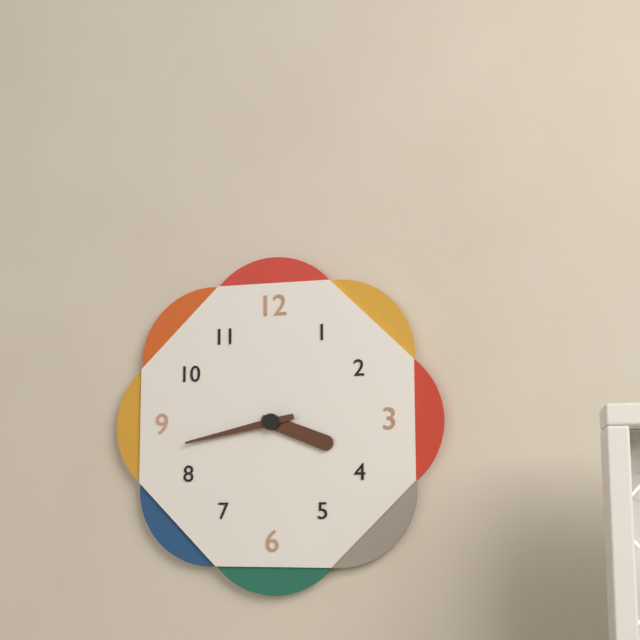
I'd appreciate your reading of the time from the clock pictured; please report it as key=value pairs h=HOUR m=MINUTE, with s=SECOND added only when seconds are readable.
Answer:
h=3 m=43
